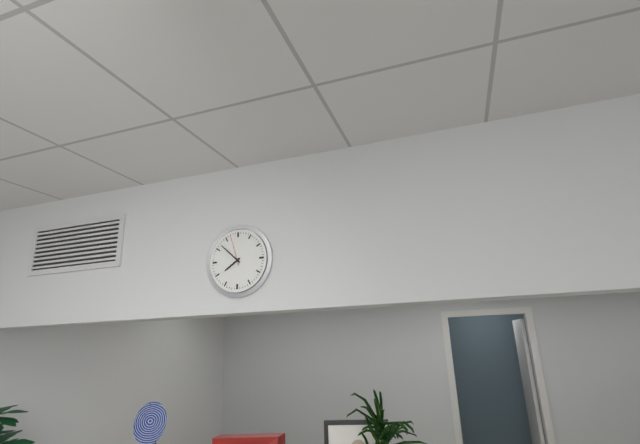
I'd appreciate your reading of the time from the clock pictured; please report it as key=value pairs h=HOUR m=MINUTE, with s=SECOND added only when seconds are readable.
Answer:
h=7 m=52
